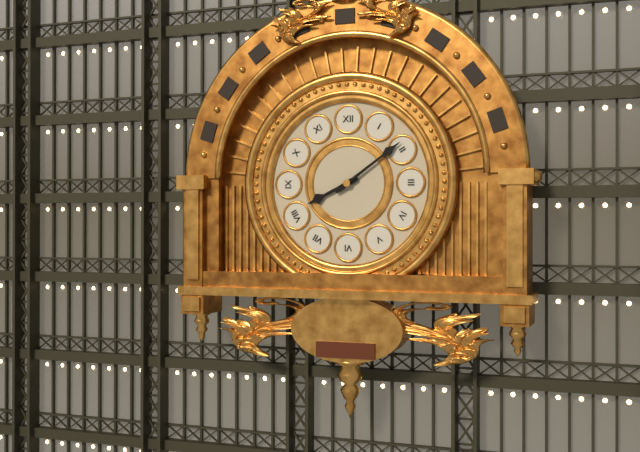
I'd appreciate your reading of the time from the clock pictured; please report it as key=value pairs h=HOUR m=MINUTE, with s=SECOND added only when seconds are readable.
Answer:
h=8 m=9
